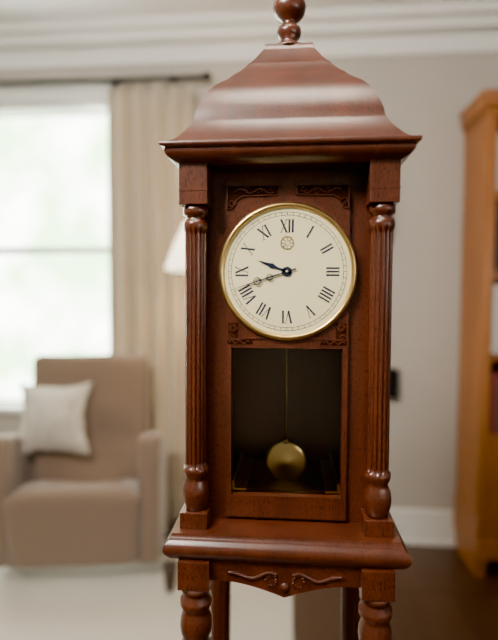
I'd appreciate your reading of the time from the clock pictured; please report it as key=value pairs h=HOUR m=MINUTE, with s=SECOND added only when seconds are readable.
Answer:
h=9 m=42
